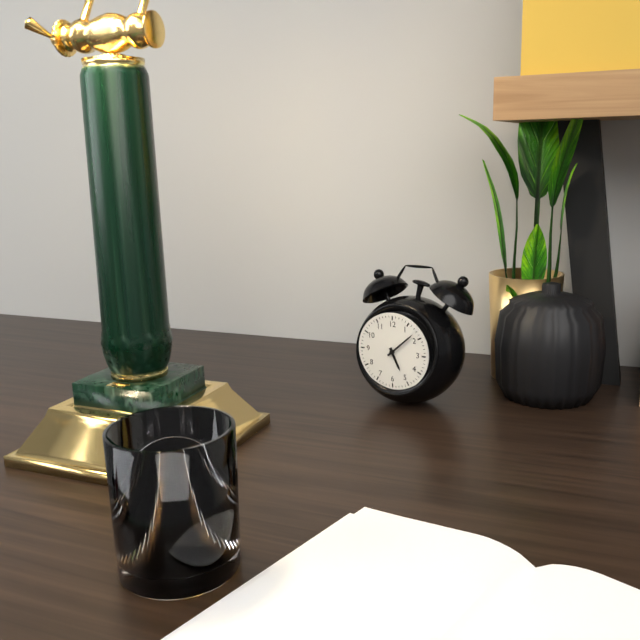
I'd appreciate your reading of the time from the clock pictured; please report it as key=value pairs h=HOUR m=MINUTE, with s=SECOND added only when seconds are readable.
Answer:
h=5 m=8
